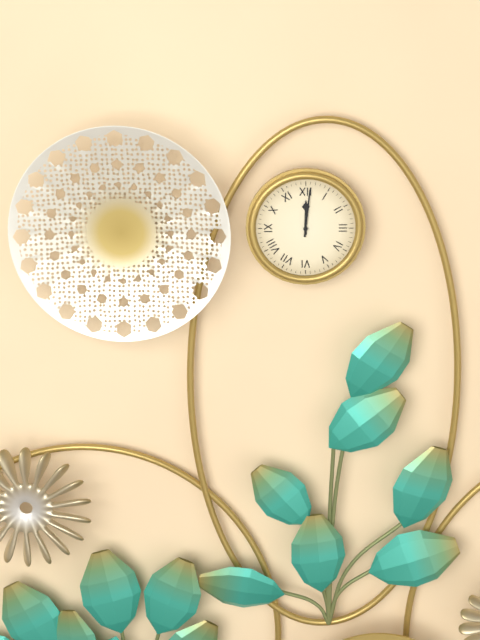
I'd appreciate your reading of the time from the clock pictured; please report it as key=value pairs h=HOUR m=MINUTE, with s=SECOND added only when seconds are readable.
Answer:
h=12 m=1
